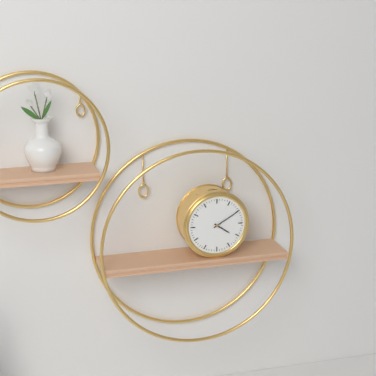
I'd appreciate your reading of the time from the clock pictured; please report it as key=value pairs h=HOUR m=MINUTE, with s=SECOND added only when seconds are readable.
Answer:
h=4 m=10
